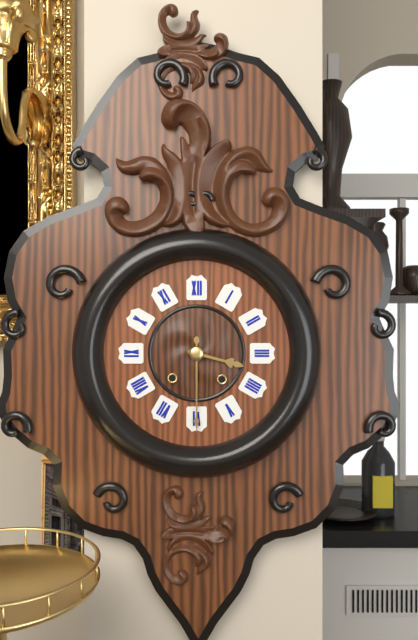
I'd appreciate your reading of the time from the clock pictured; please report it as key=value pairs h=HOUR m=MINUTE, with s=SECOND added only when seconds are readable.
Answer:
h=3 m=30
